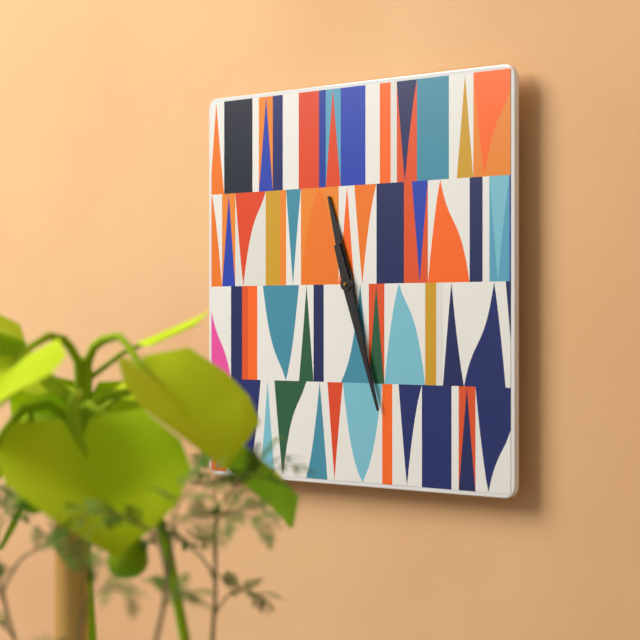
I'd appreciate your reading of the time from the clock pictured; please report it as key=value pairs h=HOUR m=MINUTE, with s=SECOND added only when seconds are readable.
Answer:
h=11 m=27
